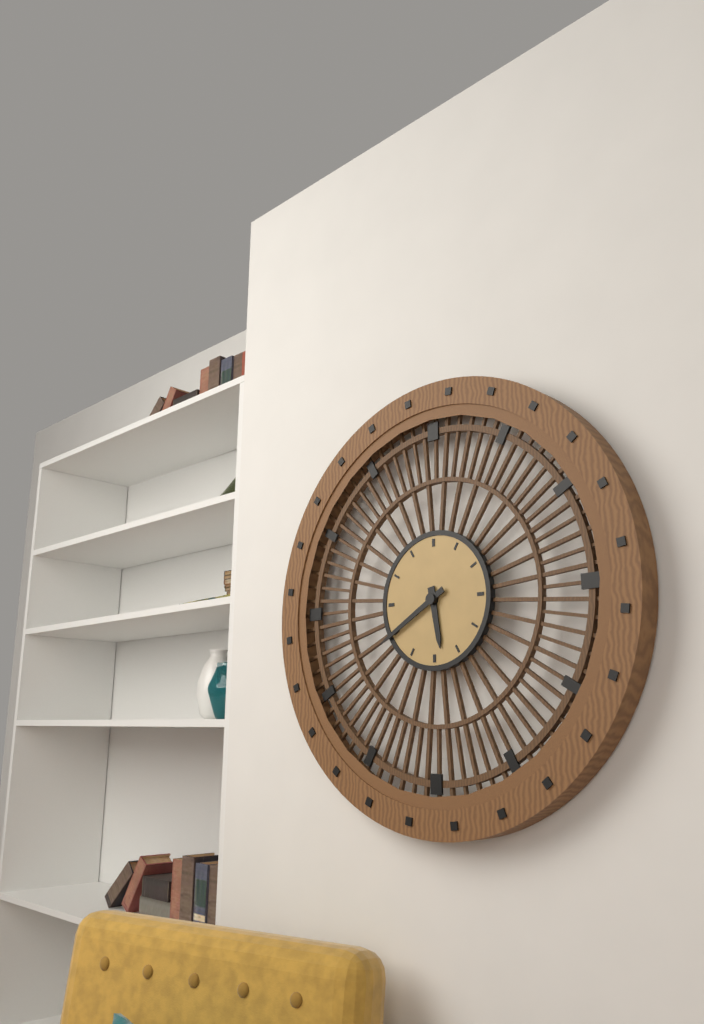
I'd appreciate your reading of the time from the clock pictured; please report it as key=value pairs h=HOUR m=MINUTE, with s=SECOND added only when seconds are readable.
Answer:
h=5 m=40
